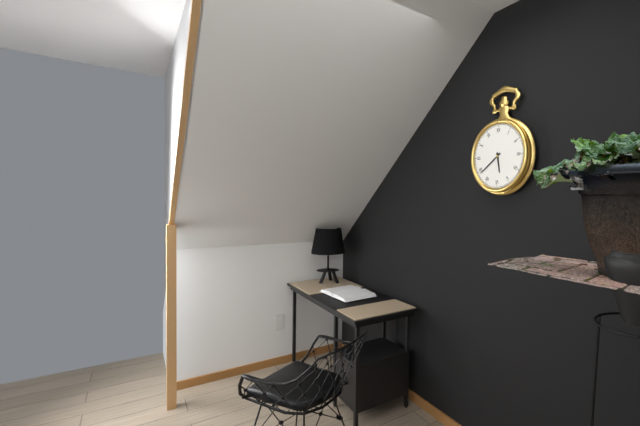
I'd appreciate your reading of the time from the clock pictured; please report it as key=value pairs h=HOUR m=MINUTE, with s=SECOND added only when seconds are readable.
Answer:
h=5 m=39
